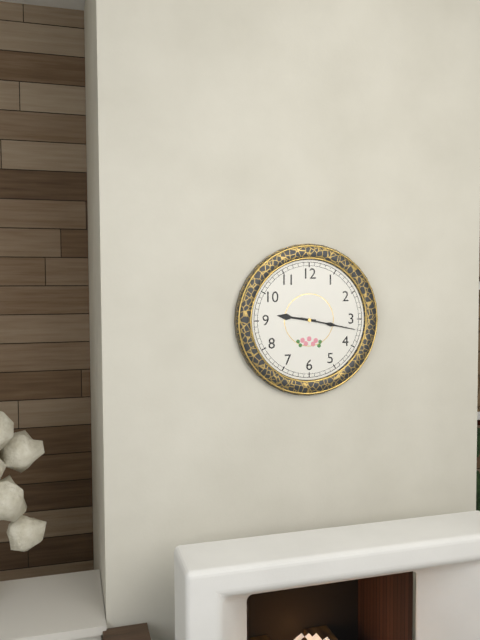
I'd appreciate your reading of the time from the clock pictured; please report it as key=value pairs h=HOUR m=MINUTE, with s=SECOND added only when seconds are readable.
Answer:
h=9 m=17
